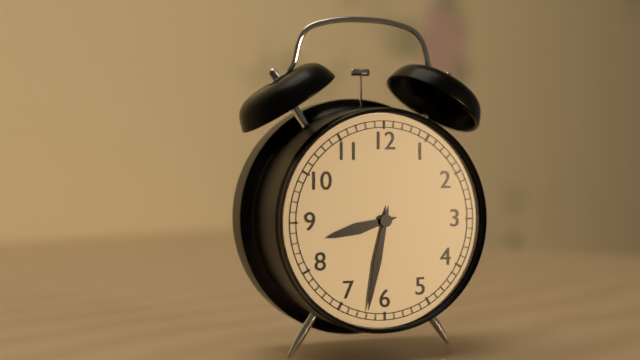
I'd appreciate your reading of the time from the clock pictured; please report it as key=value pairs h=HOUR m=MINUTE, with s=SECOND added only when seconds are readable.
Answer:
h=8 m=32
